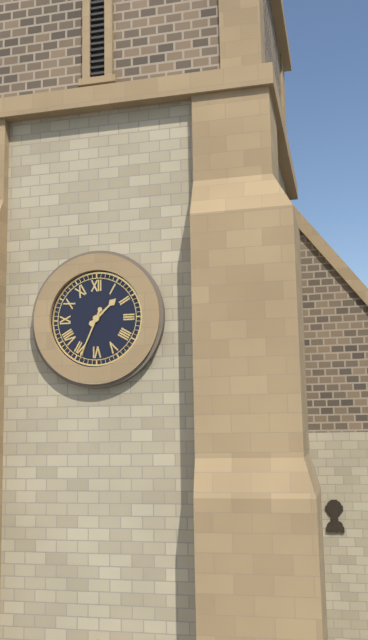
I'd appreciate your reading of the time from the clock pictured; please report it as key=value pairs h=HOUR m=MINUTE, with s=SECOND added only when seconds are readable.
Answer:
h=1 m=34
